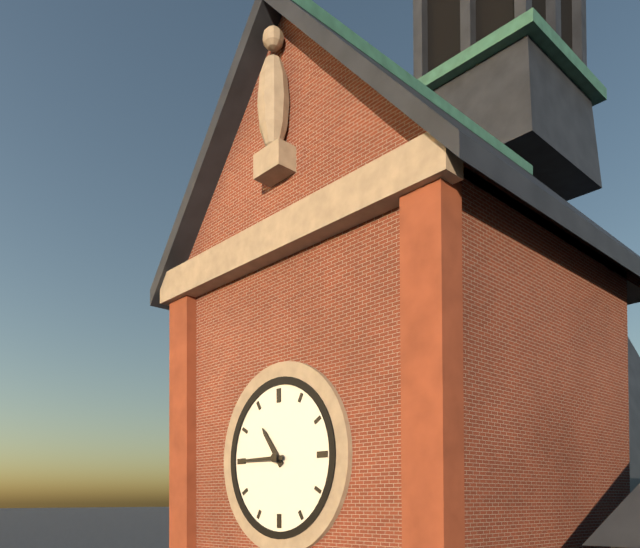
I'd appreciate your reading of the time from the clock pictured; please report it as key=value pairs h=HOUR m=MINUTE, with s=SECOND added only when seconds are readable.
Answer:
h=10 m=45
